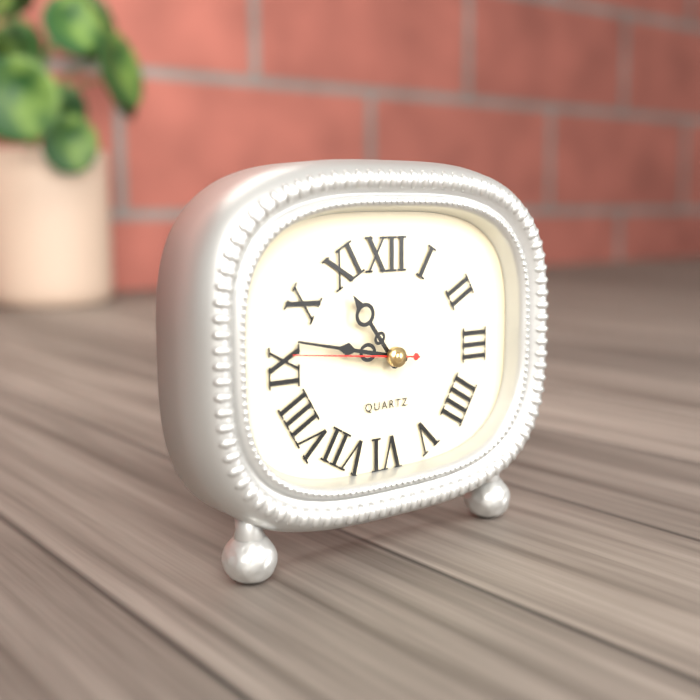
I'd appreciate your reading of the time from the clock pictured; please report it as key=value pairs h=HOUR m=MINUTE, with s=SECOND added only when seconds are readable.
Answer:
h=10 m=47 s=46
